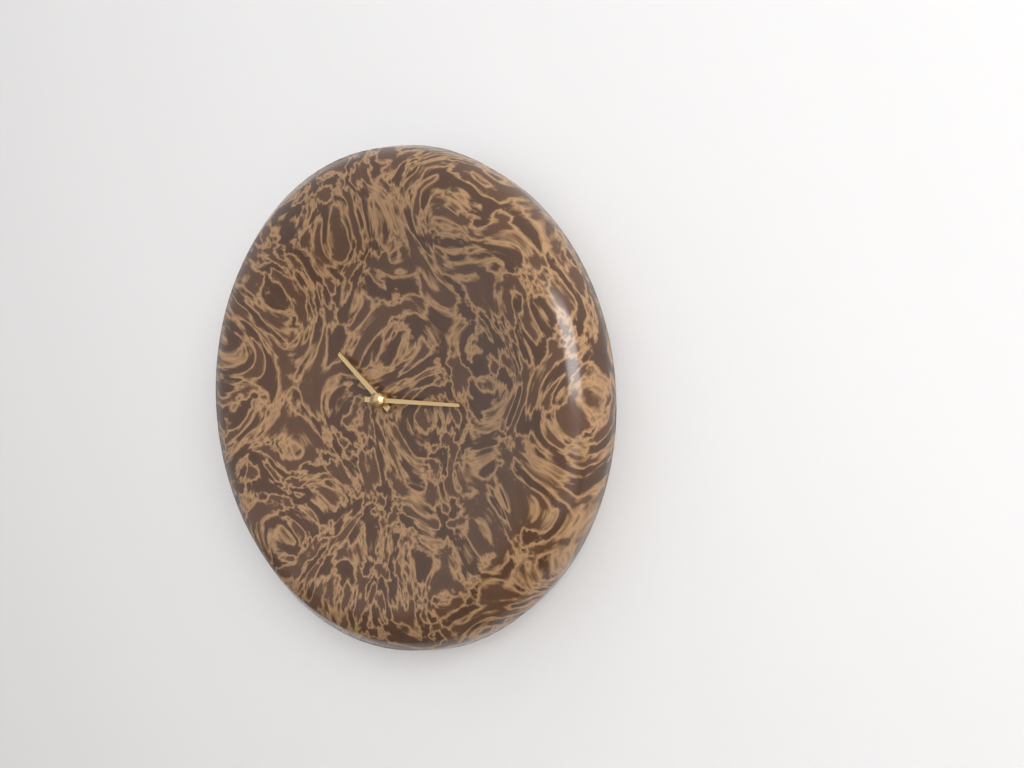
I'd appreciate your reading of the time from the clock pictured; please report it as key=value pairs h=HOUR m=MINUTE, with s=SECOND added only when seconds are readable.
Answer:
h=10 m=15
